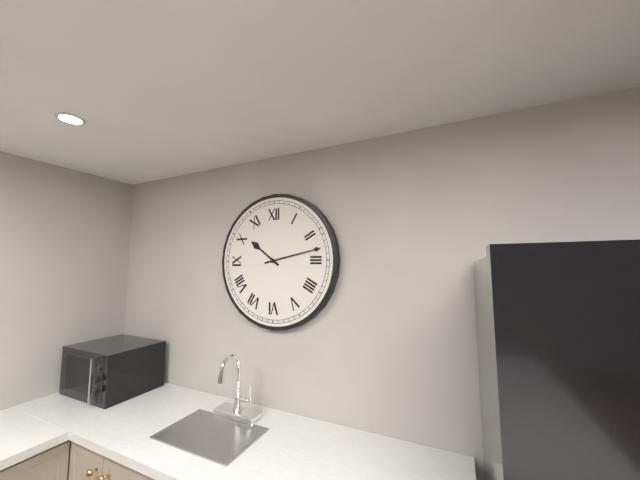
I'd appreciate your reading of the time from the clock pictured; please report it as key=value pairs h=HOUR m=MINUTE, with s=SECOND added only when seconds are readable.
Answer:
h=10 m=13
